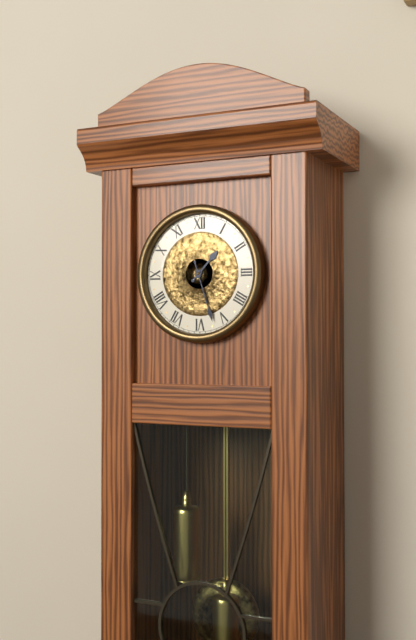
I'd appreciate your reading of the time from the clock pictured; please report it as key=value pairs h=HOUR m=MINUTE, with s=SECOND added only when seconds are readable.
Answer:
h=1 m=27
